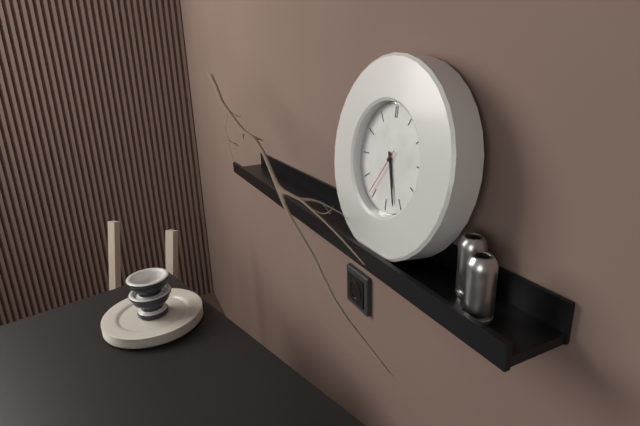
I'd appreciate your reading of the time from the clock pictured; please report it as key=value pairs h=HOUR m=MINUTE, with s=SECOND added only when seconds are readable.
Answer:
h=5 m=27
